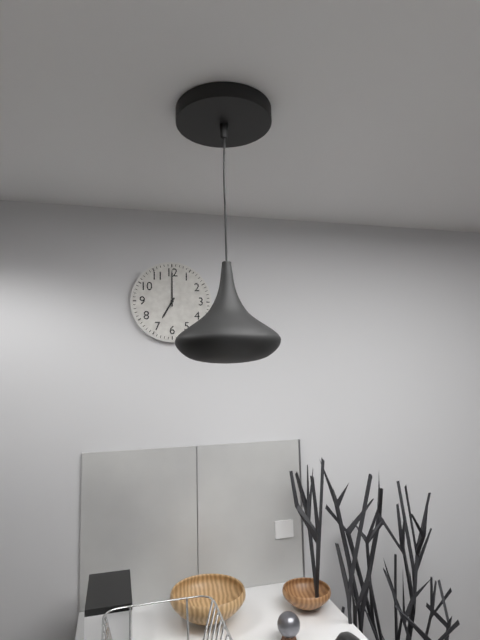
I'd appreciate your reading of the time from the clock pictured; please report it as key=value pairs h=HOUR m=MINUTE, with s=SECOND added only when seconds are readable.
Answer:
h=7 m=0
